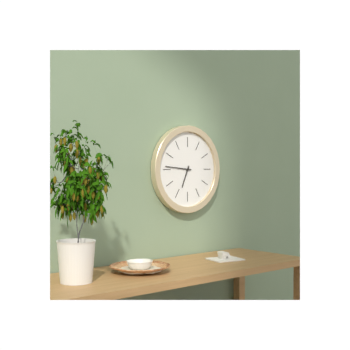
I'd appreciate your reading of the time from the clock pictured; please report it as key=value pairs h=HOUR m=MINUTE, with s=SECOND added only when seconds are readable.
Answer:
h=6 m=46
